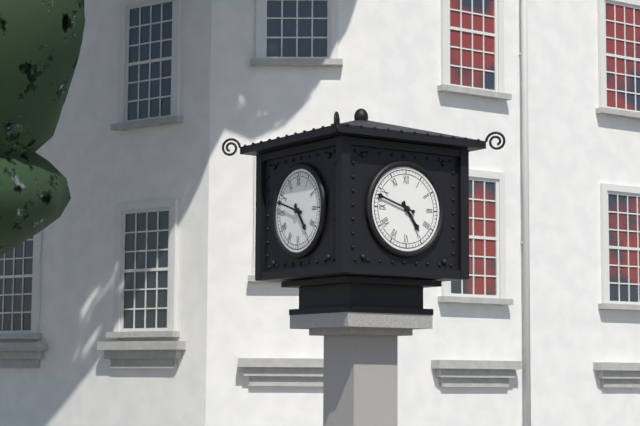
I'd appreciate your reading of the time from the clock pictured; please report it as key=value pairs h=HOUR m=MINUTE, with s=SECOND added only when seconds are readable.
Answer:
h=4 m=48
